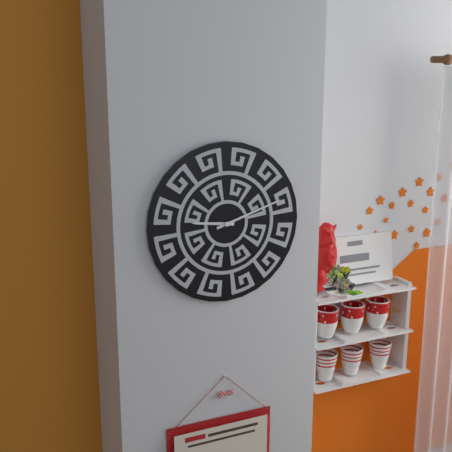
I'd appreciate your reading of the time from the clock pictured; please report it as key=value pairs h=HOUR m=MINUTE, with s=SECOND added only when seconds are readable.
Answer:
h=9 m=12
